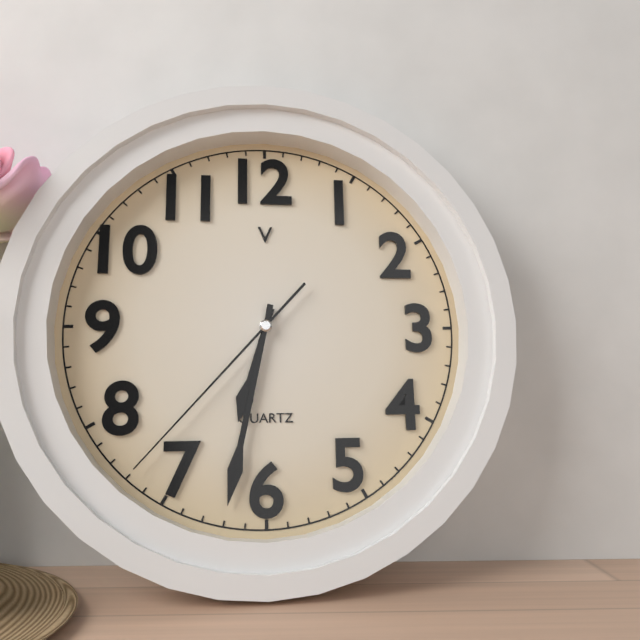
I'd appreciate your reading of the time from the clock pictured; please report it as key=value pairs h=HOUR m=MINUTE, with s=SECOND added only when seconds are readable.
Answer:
h=6 m=32 s=37
